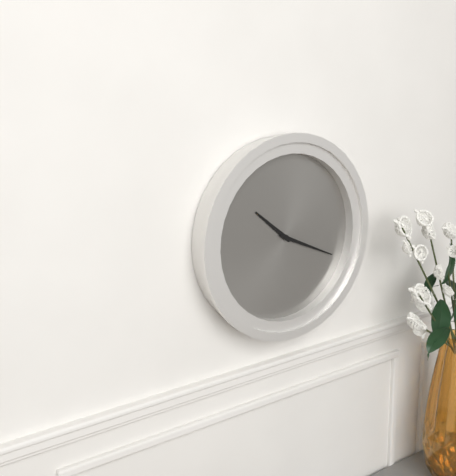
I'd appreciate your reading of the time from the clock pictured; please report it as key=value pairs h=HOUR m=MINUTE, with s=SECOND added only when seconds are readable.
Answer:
h=10 m=19
